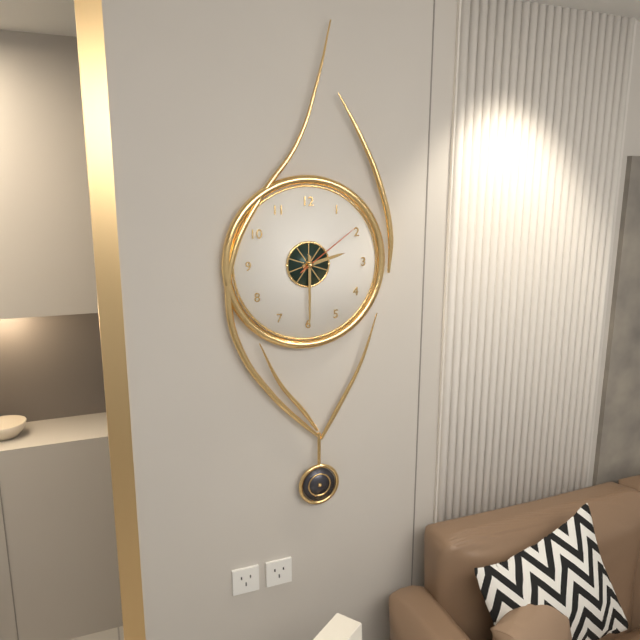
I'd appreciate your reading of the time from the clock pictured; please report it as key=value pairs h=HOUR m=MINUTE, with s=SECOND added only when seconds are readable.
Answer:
h=2 m=30 s=9
